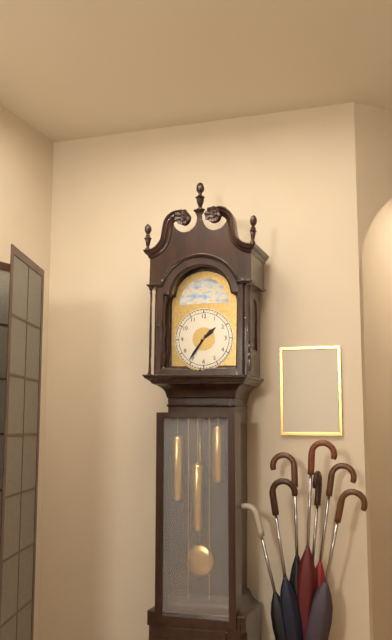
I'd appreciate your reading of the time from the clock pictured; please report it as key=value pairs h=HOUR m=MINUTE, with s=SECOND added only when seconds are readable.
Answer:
h=1 m=36
